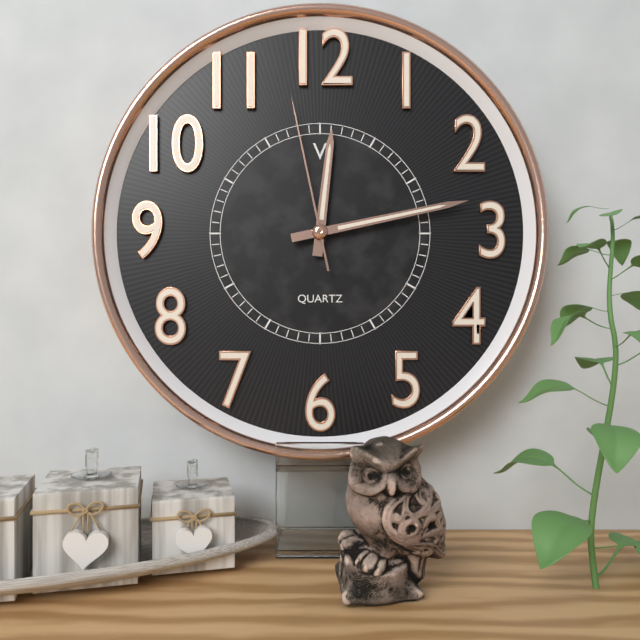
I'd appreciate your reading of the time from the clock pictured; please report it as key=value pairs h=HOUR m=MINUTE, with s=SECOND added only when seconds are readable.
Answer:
h=12 m=13 s=58
